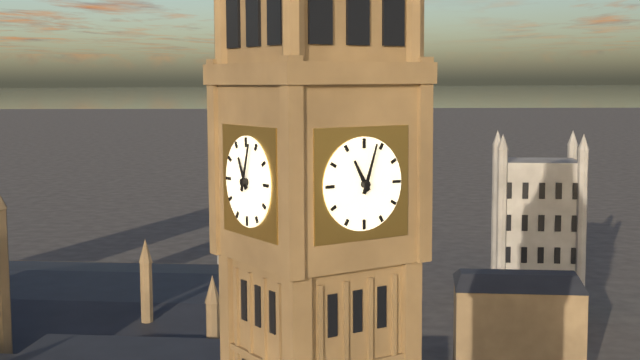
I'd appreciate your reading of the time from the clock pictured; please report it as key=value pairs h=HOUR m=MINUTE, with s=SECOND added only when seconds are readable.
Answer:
h=11 m=3
